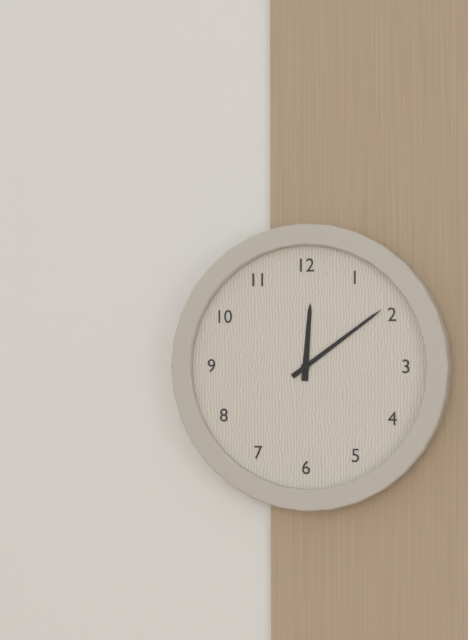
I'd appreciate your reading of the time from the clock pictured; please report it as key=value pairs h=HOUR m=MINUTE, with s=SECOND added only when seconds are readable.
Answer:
h=12 m=9
